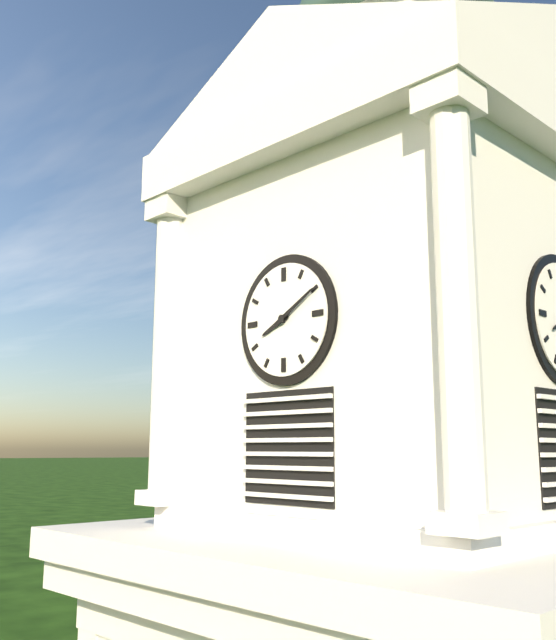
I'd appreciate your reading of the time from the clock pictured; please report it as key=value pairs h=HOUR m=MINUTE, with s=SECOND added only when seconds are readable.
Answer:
h=8 m=10
